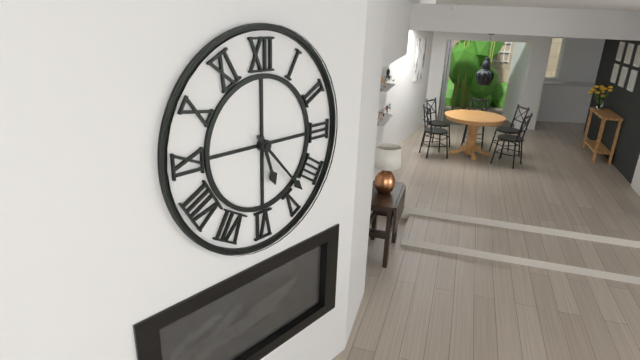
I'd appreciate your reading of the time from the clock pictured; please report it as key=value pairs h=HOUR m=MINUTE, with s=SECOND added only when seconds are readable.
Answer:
h=5 m=23
